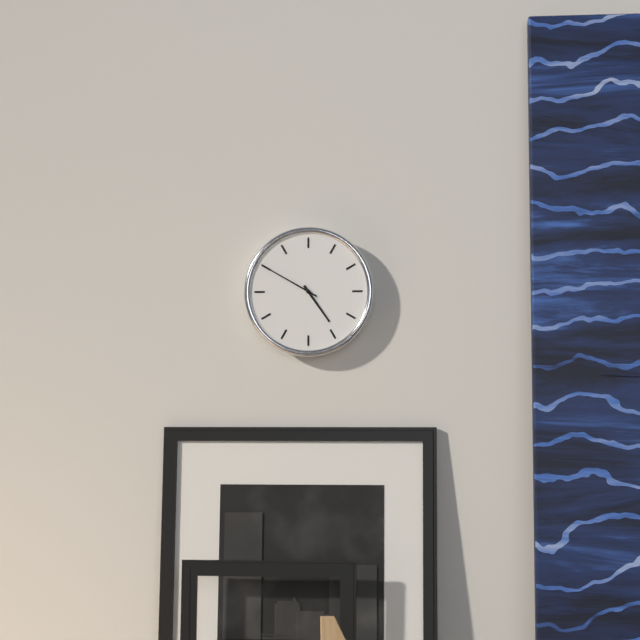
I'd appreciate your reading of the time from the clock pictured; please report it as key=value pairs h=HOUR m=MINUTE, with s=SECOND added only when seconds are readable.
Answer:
h=4 m=50
